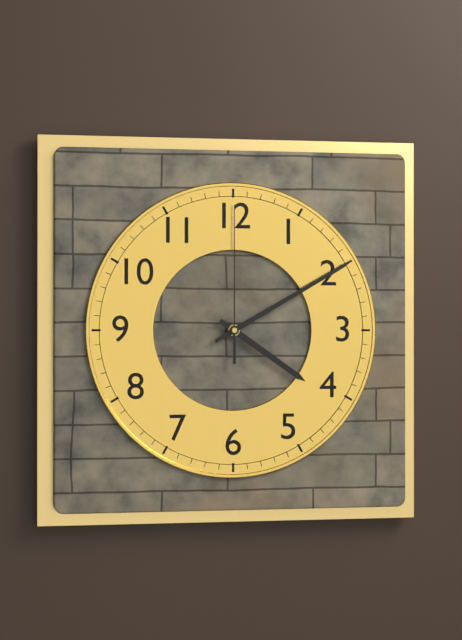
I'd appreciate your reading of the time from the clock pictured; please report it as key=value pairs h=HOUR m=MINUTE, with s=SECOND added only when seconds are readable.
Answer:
h=4 m=10 s=0
